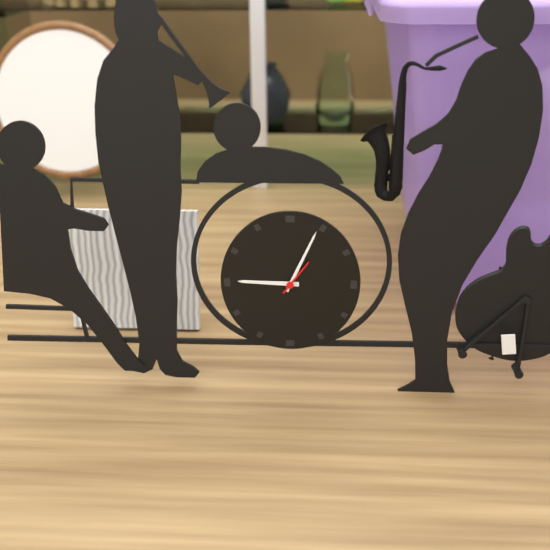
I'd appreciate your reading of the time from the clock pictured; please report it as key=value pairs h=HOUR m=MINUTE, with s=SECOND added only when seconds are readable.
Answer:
h=9 m=4
